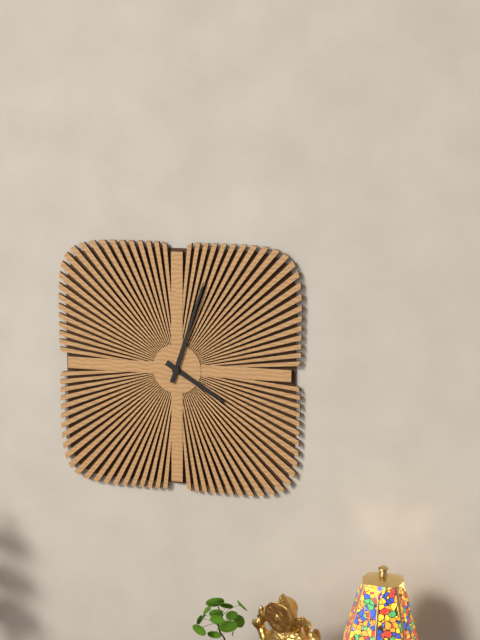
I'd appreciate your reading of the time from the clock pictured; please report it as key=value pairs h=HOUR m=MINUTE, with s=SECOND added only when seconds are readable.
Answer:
h=4 m=3
